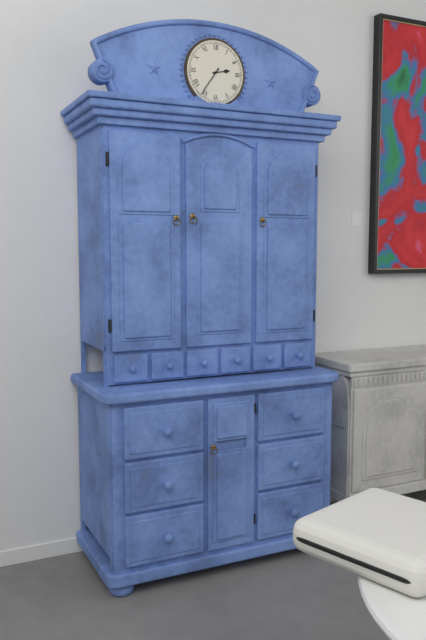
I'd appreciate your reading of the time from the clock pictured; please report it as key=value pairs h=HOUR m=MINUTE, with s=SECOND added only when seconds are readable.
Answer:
h=2 m=36
